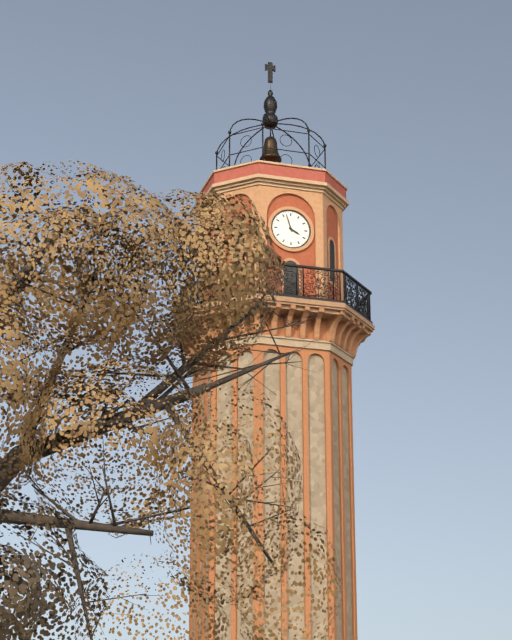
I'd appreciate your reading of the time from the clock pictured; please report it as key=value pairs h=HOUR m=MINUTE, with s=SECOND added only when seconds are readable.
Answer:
h=3 m=57
